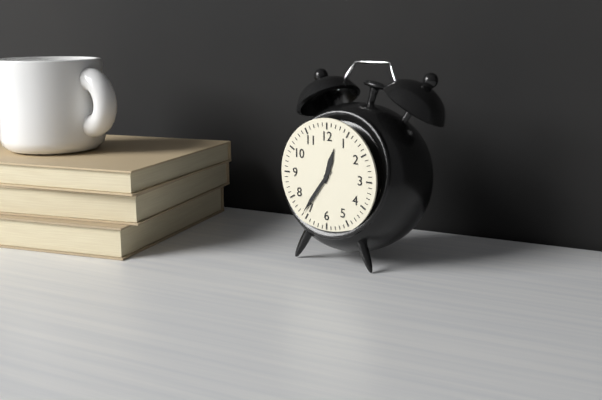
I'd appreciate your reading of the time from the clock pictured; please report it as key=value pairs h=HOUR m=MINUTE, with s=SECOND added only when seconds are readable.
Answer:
h=12 m=36
